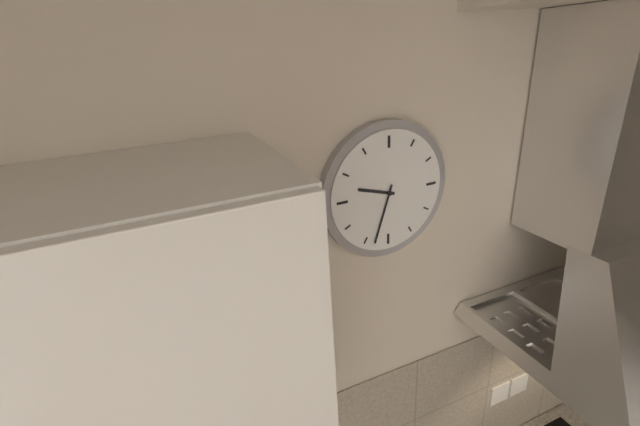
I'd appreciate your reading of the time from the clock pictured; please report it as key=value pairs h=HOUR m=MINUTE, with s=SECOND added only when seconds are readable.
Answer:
h=9 m=33
